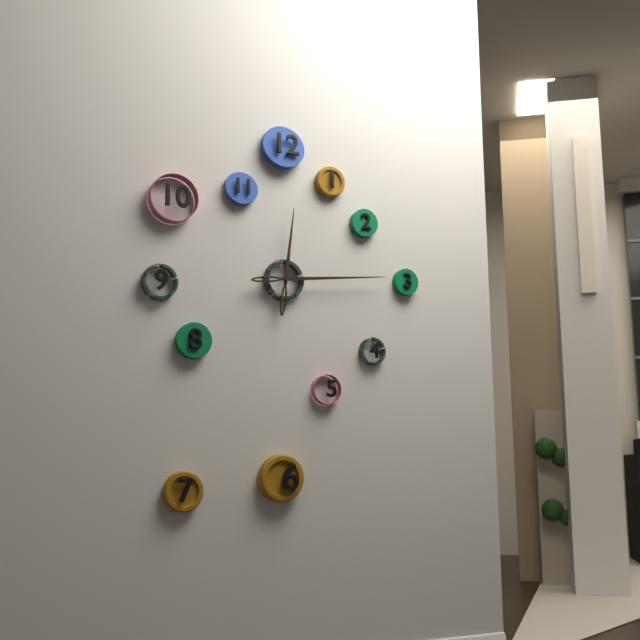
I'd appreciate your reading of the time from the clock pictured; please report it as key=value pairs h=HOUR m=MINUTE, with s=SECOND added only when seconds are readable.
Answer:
h=12 m=14
